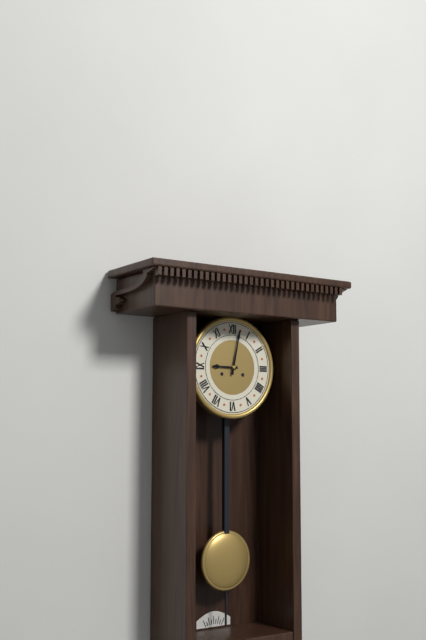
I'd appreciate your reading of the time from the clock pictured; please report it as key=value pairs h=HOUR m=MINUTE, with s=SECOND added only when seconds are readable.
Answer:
h=9 m=2
